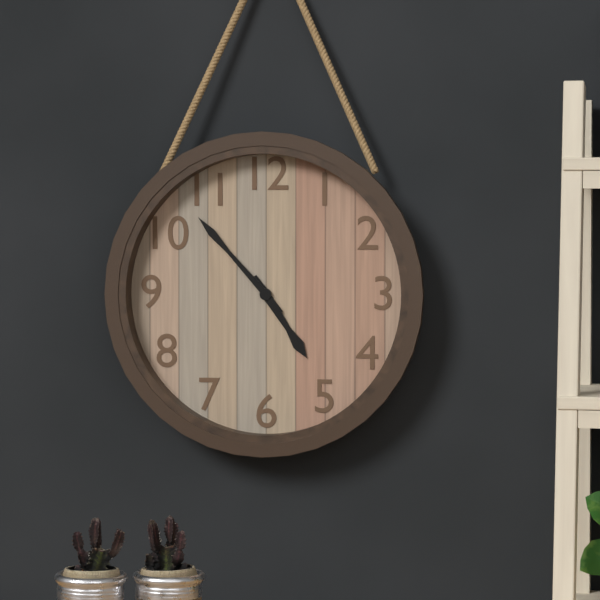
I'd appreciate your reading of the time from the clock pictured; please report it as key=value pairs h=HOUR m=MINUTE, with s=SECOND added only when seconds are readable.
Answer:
h=4 m=53
